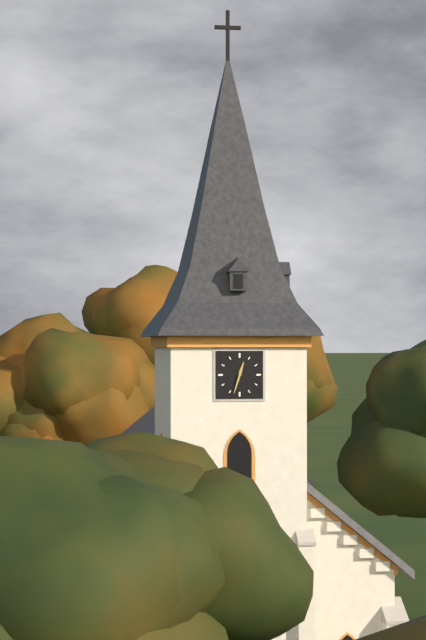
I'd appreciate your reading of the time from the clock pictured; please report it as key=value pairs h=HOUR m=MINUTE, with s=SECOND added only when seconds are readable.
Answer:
h=12 m=33
